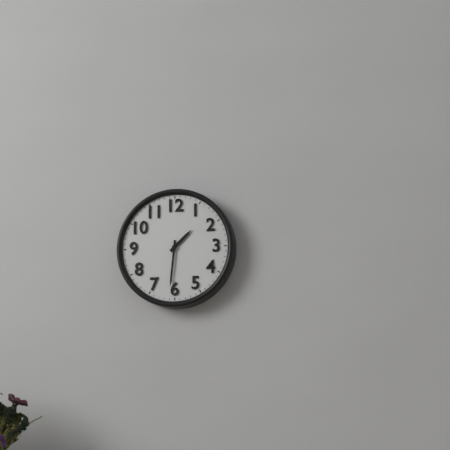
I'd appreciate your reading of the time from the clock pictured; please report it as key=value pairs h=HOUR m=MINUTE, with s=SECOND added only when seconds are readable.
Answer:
h=1 m=31
